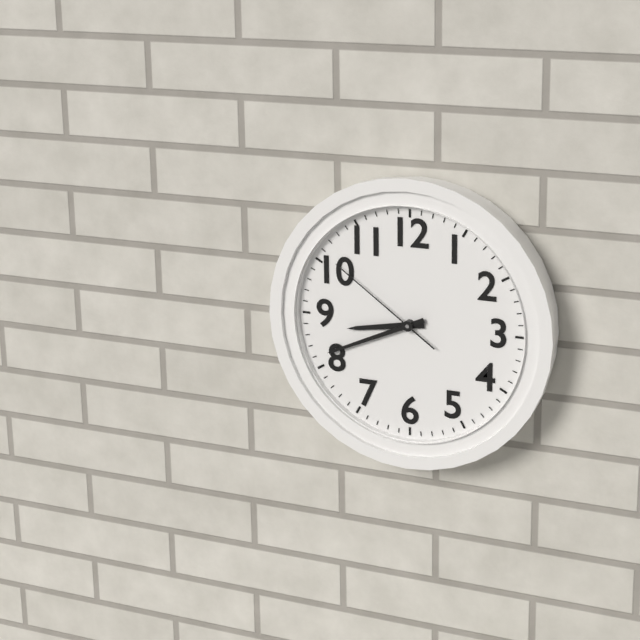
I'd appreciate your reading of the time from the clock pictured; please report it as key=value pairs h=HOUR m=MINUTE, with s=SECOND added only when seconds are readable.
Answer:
h=8 m=41 s=51
